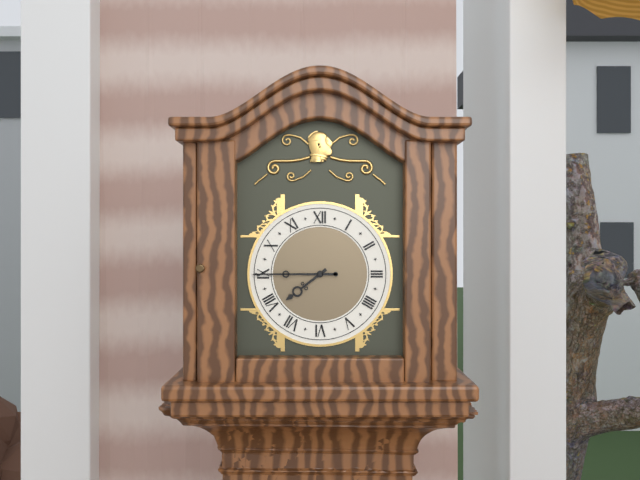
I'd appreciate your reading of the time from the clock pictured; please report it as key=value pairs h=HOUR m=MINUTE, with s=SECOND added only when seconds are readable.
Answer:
h=7 m=45
